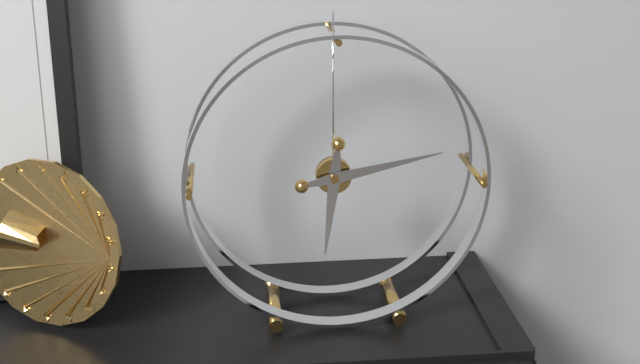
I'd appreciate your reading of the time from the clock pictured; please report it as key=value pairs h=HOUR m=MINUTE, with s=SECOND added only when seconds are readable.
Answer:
h=6 m=13
